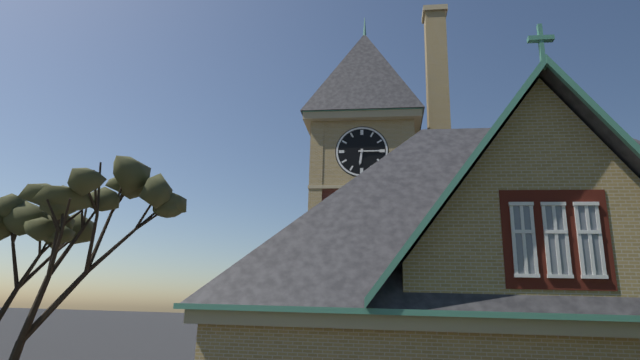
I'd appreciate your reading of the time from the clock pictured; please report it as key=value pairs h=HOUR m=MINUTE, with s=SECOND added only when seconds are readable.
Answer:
h=6 m=15
